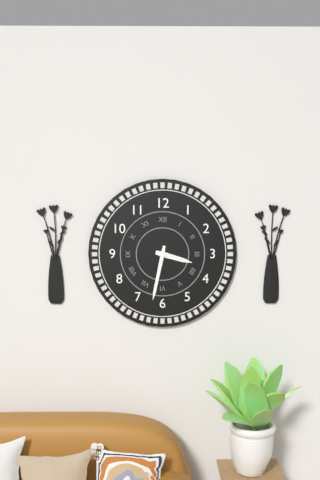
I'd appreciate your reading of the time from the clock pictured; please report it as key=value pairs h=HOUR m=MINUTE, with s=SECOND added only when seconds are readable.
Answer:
h=3 m=32
